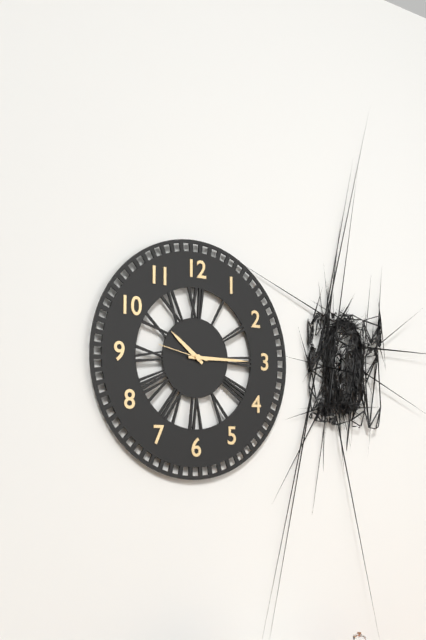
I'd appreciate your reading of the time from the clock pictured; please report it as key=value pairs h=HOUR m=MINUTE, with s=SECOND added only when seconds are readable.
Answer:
h=10 m=15 s=47
